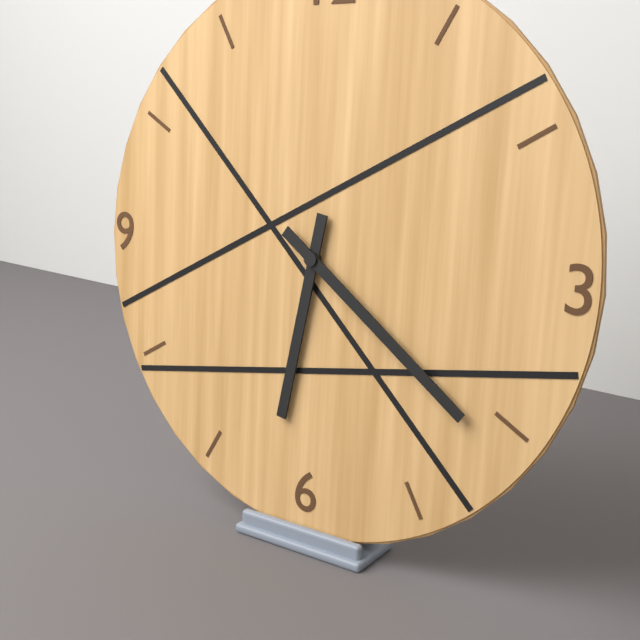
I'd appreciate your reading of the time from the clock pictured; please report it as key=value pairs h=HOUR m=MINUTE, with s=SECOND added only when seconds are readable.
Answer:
h=6 m=21
